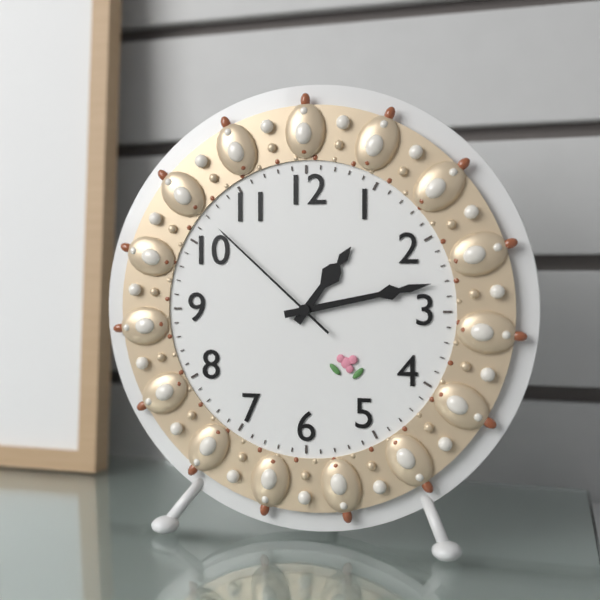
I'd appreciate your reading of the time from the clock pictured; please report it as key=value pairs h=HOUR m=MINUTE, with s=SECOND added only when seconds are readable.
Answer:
h=1 m=13 s=52
